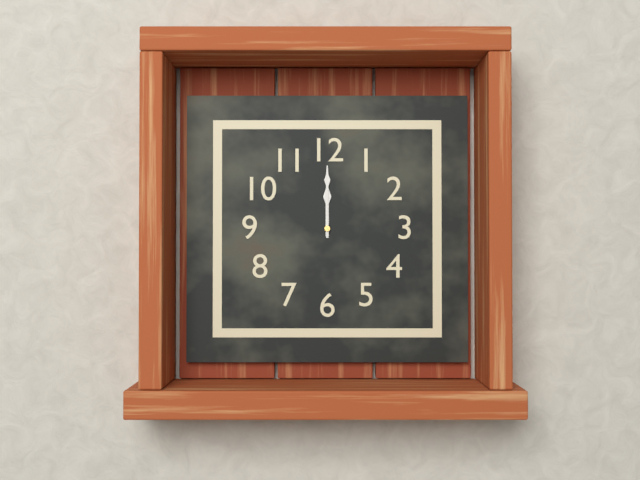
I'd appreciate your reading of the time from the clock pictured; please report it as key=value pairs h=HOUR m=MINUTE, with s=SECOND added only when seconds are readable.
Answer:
h=12 m=0
